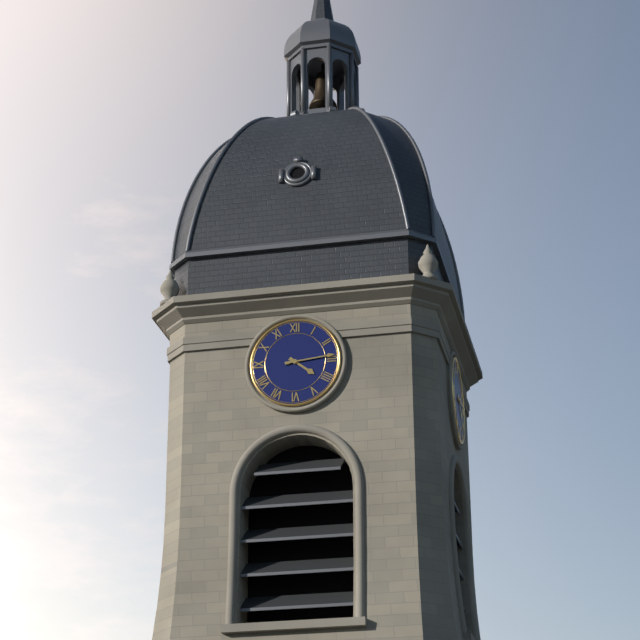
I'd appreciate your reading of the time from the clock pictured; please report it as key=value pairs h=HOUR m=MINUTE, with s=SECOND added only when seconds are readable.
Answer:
h=4 m=14
